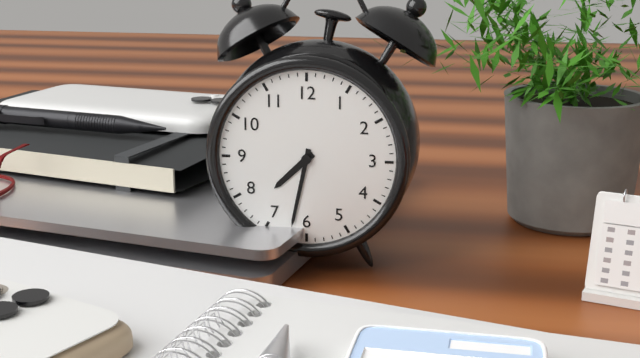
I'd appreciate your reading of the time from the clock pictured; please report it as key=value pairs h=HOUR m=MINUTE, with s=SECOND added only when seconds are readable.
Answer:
h=7 m=32
